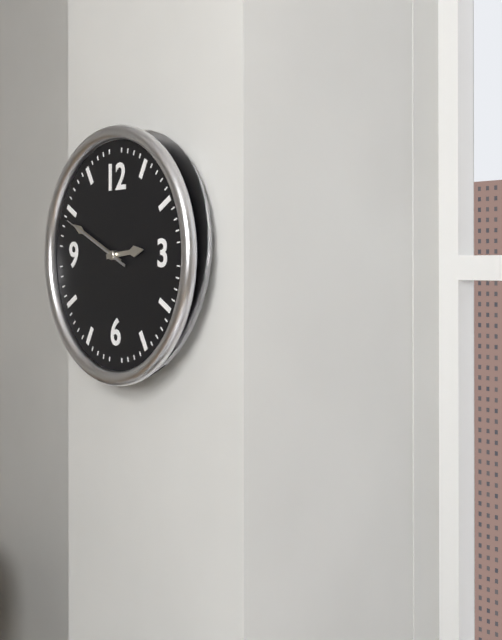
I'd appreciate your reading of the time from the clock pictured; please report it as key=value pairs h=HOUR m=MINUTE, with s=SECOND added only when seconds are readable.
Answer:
h=2 m=49 s=49
